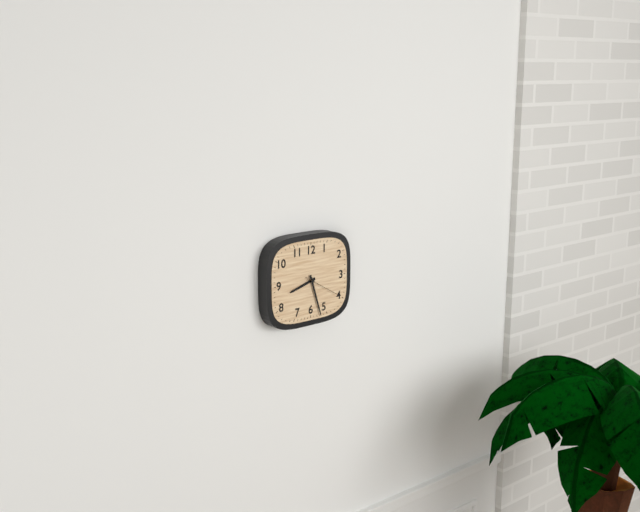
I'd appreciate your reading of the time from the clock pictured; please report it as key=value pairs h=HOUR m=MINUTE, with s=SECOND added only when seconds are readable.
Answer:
h=8 m=27
